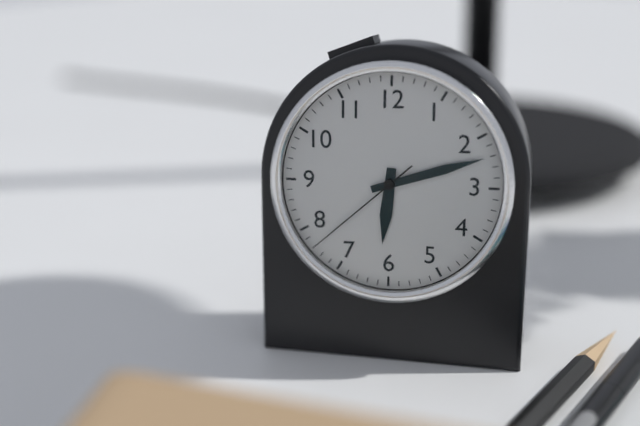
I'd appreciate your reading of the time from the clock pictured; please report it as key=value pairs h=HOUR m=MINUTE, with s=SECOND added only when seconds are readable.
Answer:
h=6 m=12 s=38
